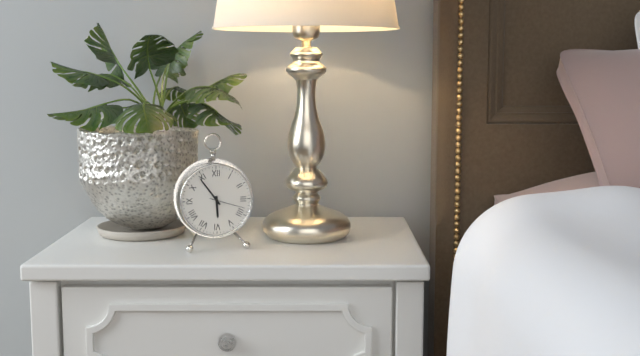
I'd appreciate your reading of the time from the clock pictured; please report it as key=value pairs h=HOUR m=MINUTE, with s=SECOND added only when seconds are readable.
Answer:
h=5 m=54
